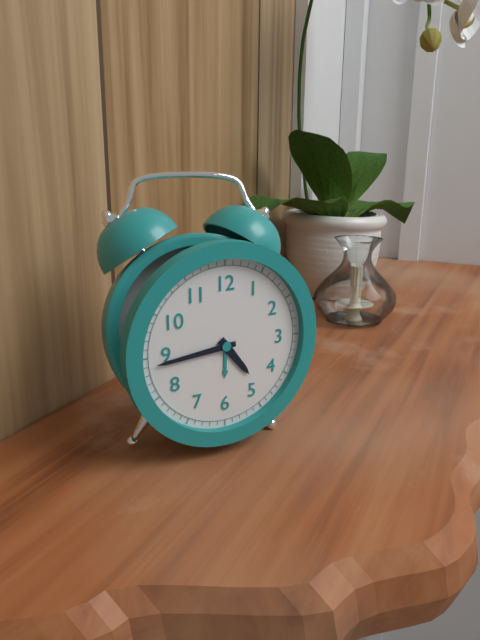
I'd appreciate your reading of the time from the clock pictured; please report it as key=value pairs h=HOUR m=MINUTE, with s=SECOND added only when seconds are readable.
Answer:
h=4 m=44
